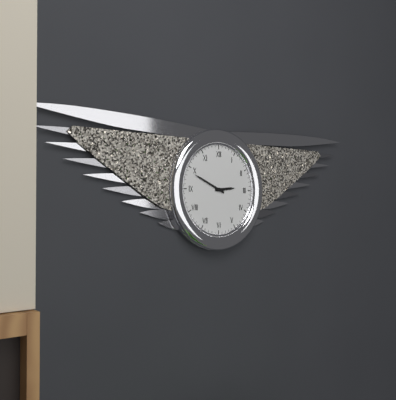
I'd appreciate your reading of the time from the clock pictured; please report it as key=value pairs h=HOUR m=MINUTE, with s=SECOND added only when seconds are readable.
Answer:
h=2 m=49
